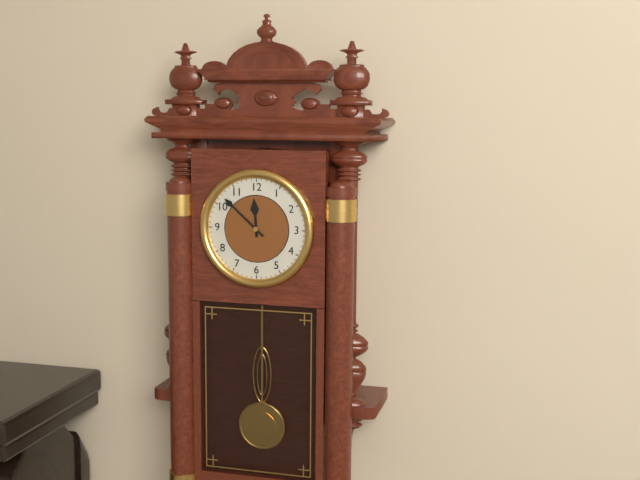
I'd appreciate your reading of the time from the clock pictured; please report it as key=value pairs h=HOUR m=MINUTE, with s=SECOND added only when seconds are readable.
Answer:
h=11 m=52
